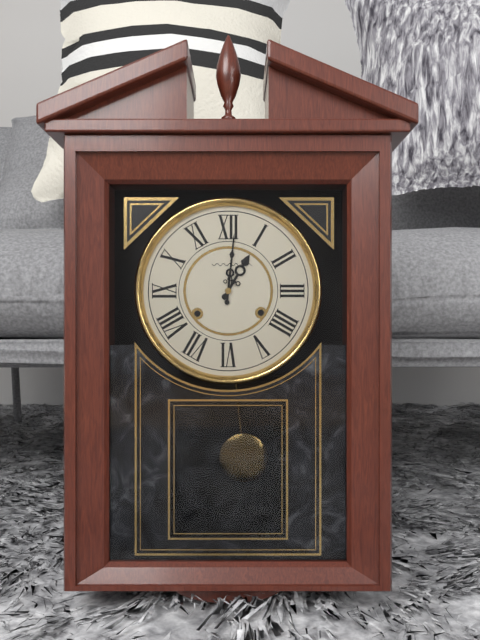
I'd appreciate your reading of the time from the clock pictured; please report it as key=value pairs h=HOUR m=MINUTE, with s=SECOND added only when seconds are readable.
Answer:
h=1 m=1
